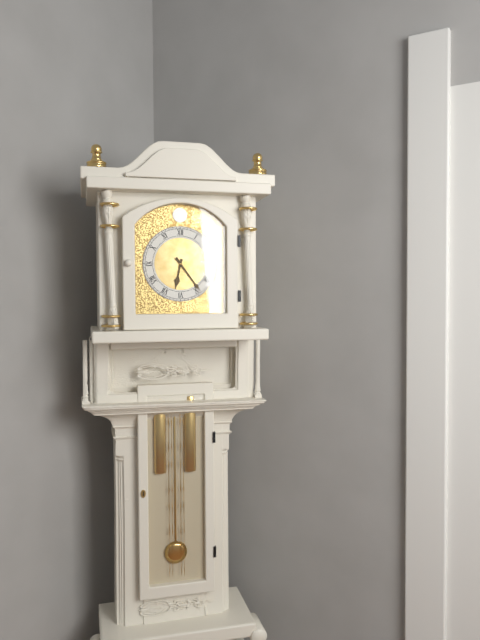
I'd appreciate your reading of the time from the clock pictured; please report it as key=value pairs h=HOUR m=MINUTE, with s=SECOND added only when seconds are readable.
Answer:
h=6 m=24
